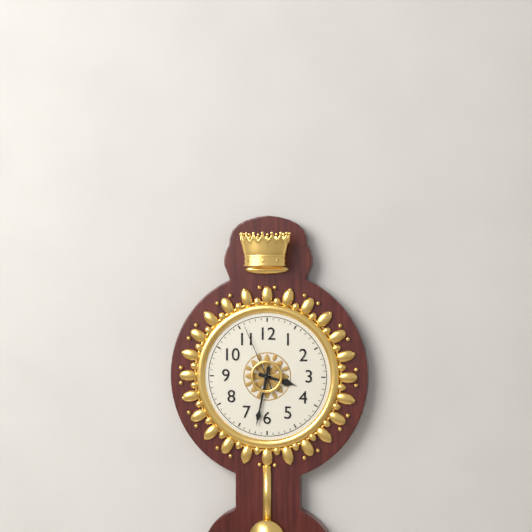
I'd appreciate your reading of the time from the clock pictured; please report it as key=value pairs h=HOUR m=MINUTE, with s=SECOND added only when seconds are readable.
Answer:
h=3 m=32 s=56
